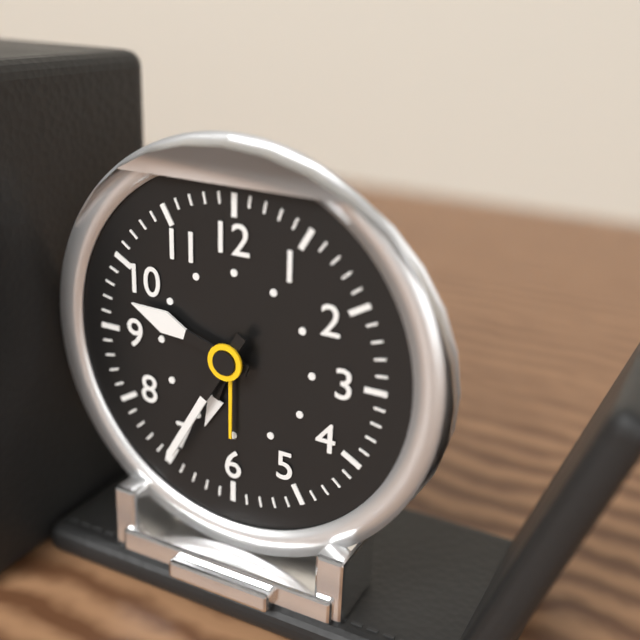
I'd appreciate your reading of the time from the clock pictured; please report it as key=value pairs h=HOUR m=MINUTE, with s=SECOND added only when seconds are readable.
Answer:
h=9 m=35
